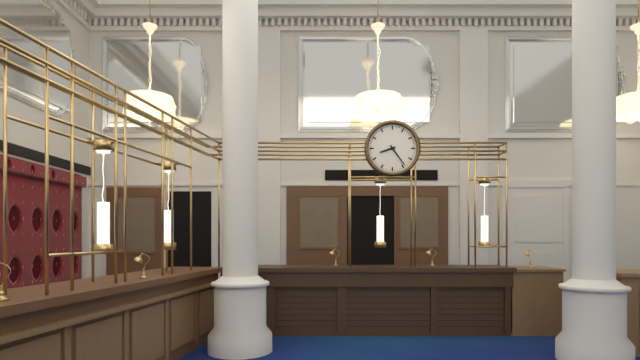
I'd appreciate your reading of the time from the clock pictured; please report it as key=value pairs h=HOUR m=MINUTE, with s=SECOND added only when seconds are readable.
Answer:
h=8 m=24
